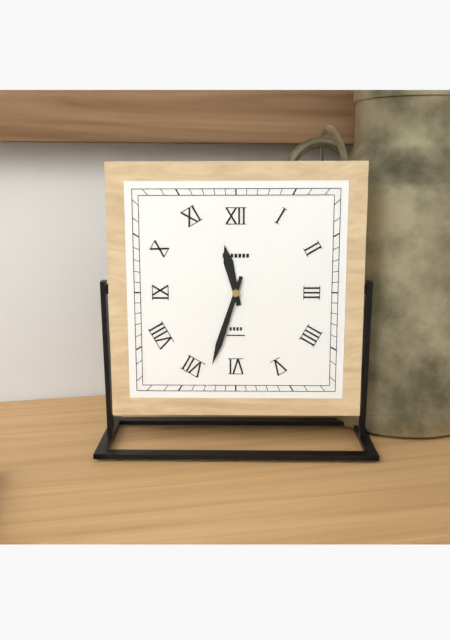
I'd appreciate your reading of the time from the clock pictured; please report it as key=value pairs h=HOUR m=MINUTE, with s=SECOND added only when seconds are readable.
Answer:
h=11 m=33
